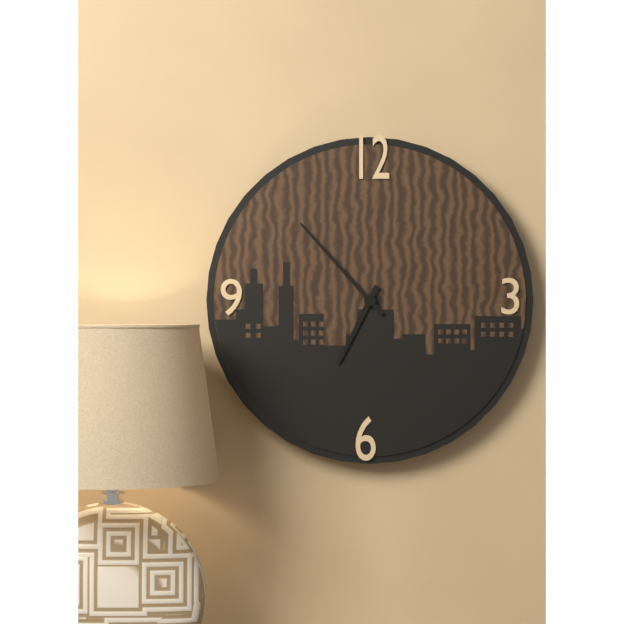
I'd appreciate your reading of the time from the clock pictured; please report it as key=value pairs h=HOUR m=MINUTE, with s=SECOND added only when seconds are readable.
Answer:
h=6 m=53
